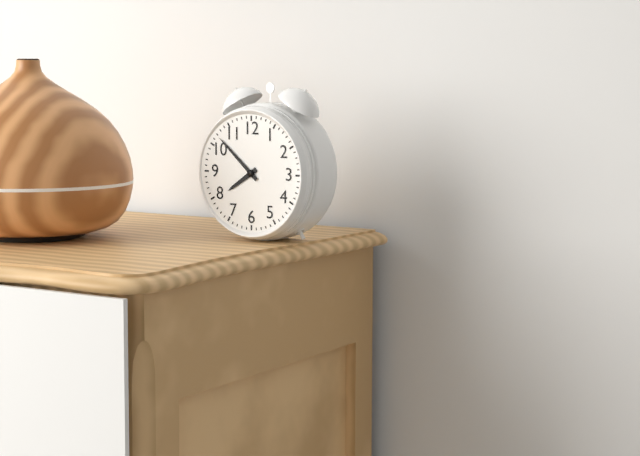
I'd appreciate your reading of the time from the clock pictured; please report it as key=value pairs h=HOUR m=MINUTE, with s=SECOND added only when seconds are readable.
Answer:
h=7 m=52
